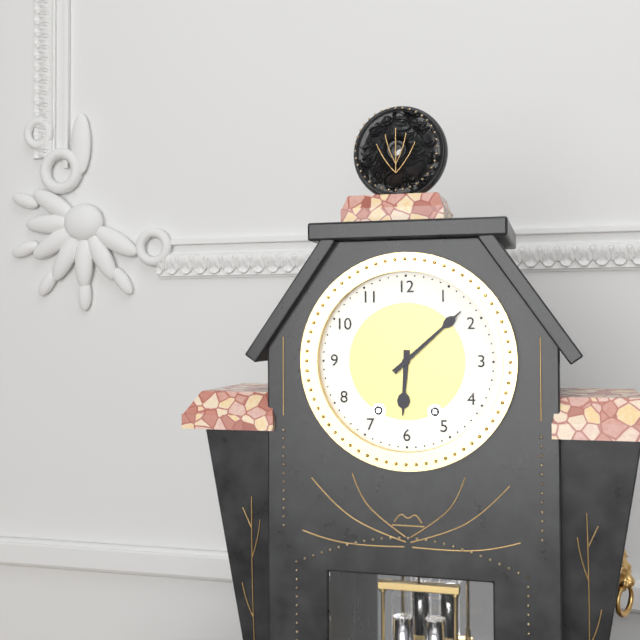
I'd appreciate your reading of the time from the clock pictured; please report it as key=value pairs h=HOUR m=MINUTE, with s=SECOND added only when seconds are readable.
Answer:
h=6 m=8
